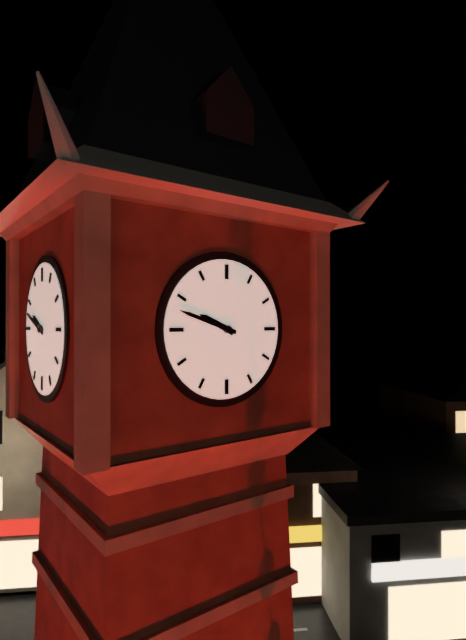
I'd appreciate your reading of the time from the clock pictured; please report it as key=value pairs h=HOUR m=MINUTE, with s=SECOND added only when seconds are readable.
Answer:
h=9 m=48
